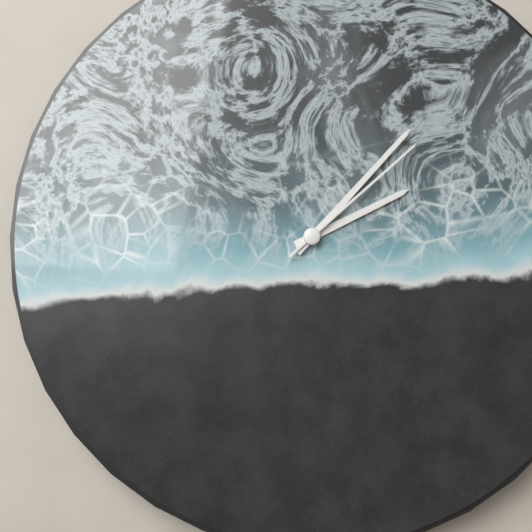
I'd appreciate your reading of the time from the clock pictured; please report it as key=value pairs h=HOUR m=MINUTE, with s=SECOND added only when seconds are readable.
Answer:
h=2 m=7 s=8
